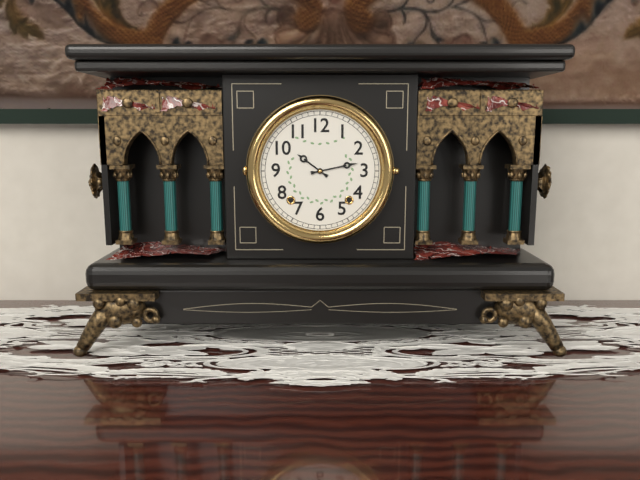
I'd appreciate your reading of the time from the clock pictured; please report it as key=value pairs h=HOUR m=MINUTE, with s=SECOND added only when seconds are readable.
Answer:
h=10 m=13
